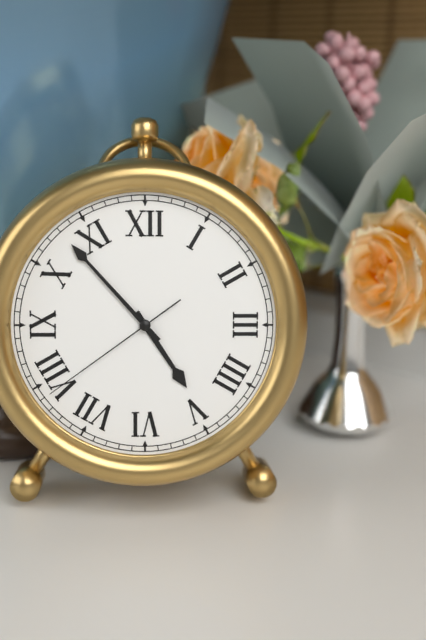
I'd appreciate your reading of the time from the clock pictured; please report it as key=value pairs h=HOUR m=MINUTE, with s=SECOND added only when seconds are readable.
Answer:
h=4 m=53 s=39
